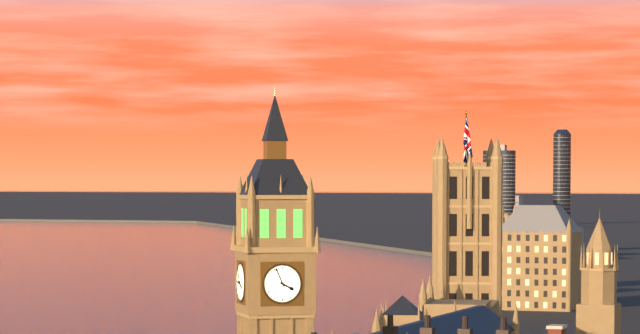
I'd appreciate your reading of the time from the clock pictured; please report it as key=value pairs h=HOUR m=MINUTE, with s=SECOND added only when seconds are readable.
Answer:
h=3 m=56
